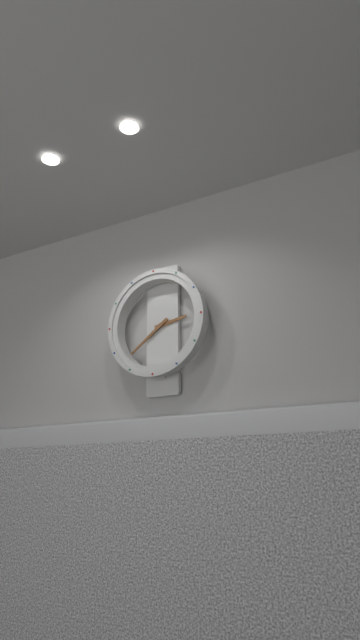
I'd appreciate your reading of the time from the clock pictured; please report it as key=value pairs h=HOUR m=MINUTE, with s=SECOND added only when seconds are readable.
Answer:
h=2 m=39
